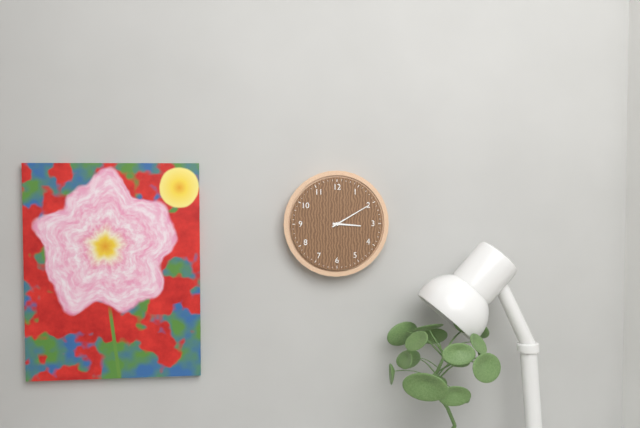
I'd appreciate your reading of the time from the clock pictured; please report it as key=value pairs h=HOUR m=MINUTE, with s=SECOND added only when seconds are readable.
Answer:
h=3 m=10
